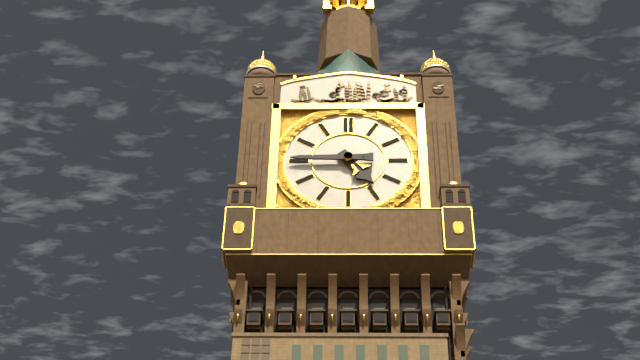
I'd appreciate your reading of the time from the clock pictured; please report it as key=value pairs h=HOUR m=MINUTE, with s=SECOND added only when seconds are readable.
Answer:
h=4 m=45
